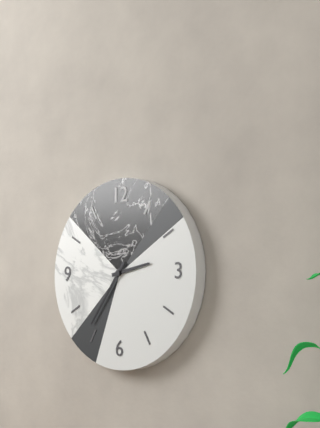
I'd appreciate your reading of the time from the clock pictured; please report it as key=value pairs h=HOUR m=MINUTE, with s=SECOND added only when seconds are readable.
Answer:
h=2 m=36
